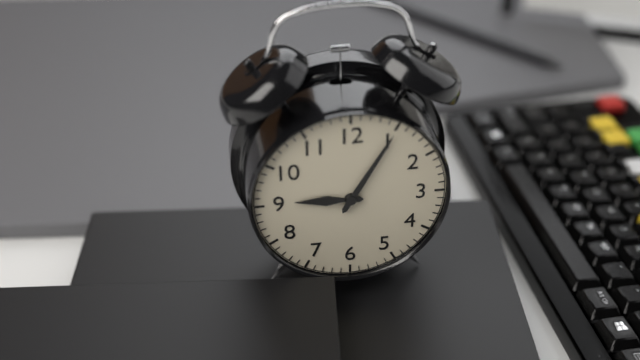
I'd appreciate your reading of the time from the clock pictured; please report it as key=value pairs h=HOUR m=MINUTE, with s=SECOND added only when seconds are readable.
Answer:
h=9 m=5
